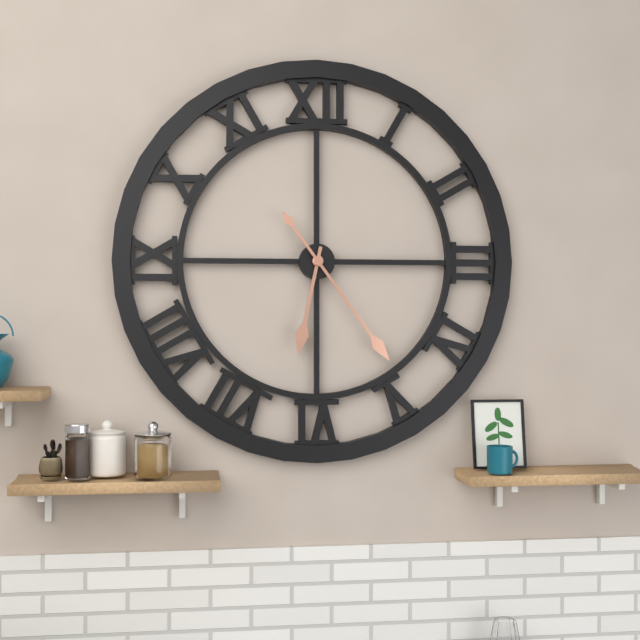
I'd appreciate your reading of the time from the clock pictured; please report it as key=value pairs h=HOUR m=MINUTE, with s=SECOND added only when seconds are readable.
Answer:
h=6 m=24
